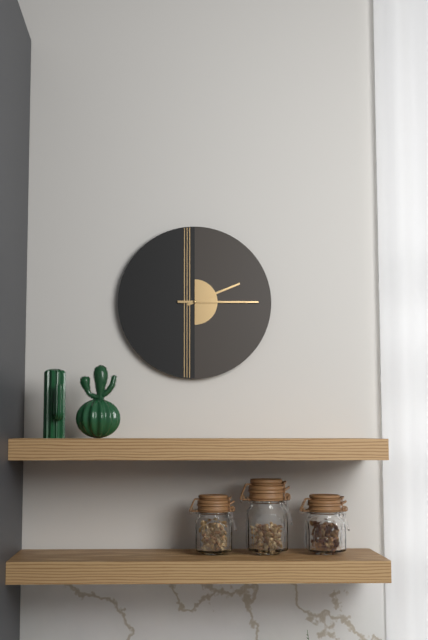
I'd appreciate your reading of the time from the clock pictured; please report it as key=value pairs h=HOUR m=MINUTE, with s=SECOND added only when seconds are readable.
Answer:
h=2 m=15
